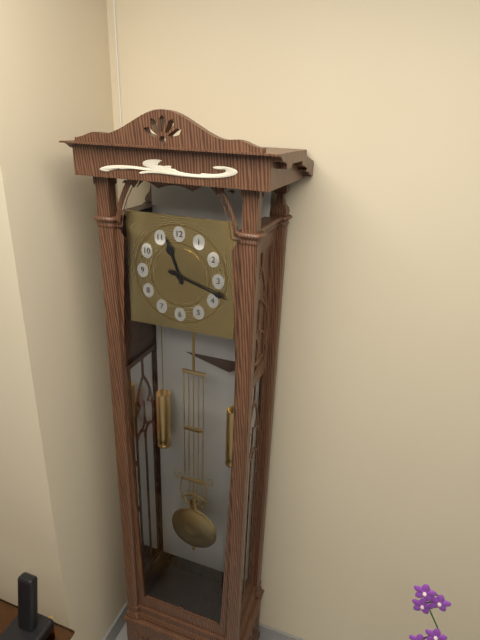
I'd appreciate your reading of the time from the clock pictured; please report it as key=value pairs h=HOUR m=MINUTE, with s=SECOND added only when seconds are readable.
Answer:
h=11 m=18
